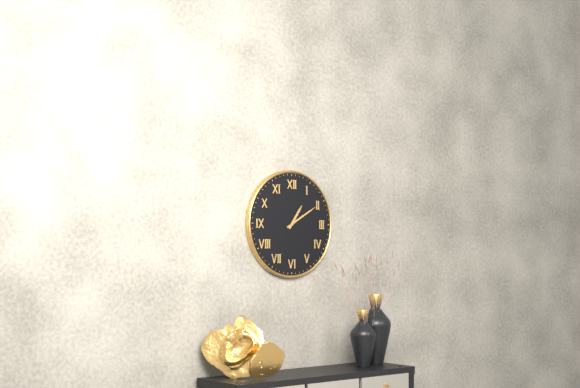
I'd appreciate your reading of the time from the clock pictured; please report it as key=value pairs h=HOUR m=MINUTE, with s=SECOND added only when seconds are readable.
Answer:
h=1 m=10
